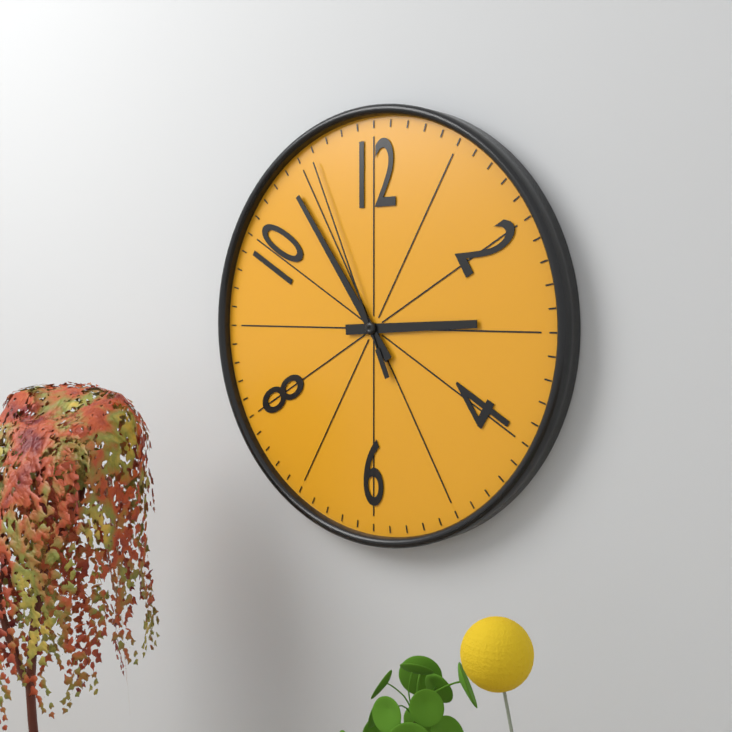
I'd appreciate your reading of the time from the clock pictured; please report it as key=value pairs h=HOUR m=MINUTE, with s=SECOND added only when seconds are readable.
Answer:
h=2 m=54 s=56
